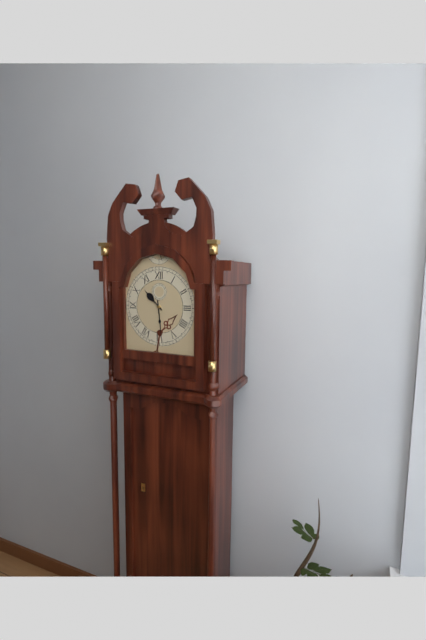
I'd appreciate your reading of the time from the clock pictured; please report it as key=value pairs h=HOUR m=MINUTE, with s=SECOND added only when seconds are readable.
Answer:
h=10 m=29
